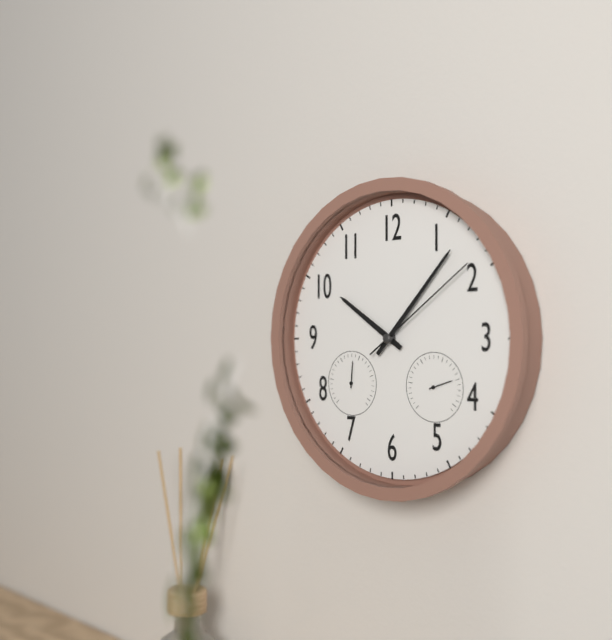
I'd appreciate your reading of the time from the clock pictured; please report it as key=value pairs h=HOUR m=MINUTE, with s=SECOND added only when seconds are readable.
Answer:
h=10 m=7 s=9
